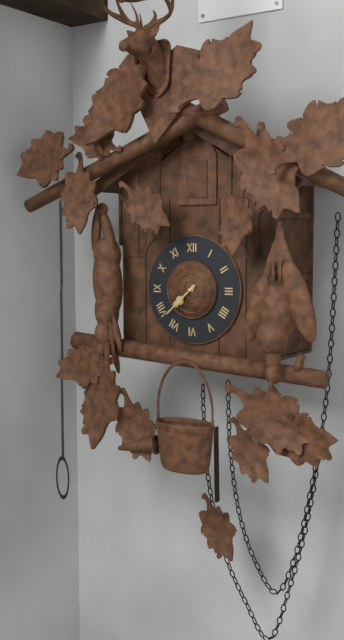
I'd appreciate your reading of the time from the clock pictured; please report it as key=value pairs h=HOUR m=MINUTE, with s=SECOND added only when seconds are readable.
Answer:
h=7 m=38
